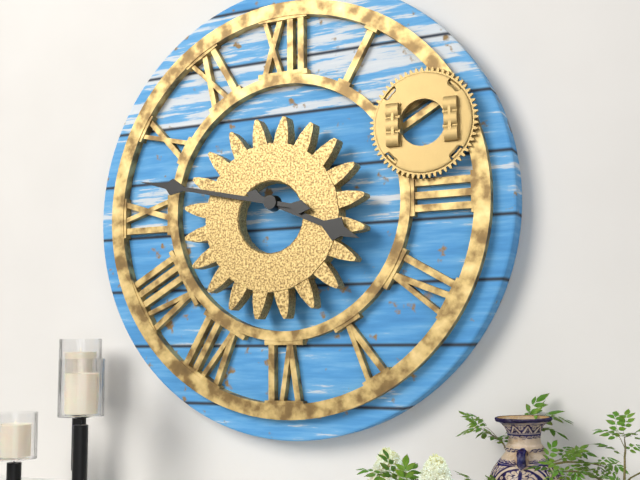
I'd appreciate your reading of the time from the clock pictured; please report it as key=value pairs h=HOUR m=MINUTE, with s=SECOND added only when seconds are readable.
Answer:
h=3 m=47
